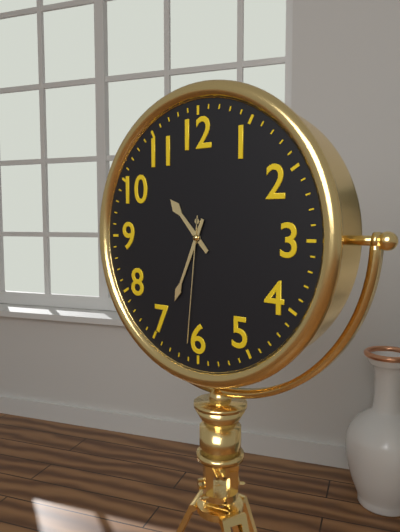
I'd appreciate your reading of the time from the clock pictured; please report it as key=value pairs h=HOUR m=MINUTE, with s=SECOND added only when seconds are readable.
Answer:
h=10 m=34 s=31
